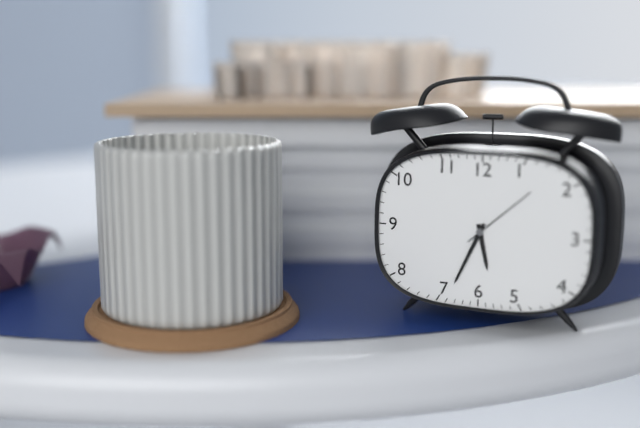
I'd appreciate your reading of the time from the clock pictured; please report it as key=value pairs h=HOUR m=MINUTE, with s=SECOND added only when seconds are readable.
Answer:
h=5 m=34 s=8
